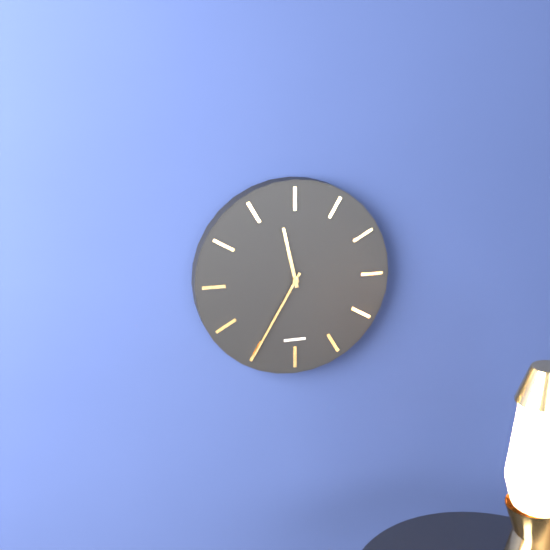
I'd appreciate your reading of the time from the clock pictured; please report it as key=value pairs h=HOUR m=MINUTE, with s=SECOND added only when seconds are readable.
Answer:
h=11 m=35
